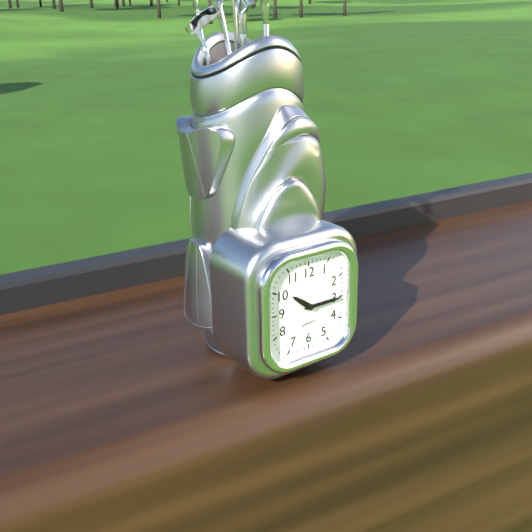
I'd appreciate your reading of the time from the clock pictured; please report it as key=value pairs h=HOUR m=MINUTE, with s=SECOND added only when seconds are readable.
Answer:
h=10 m=15
